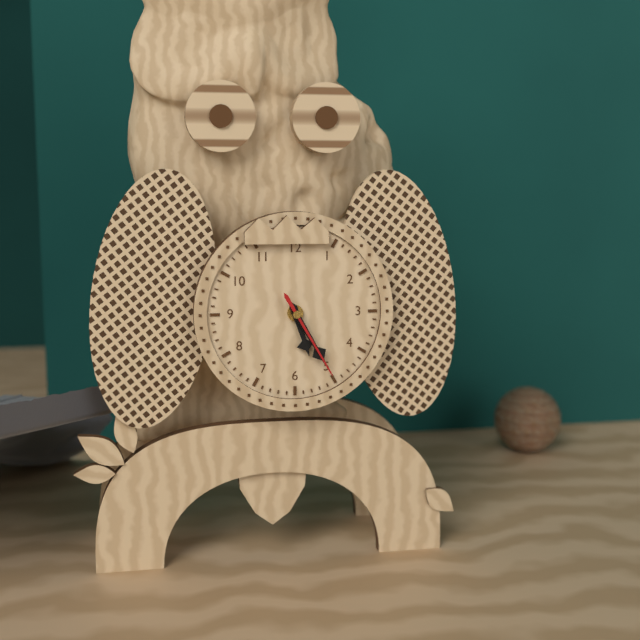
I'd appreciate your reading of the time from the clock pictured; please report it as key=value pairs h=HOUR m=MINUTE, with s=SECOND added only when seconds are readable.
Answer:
h=5 m=25 s=25
